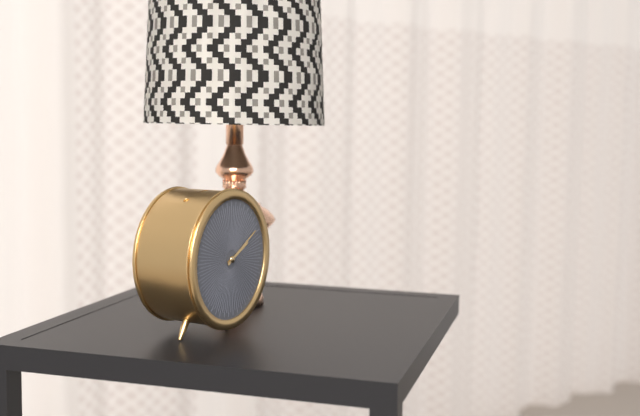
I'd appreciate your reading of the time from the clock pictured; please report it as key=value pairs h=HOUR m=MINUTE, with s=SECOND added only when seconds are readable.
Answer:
h=2 m=10
